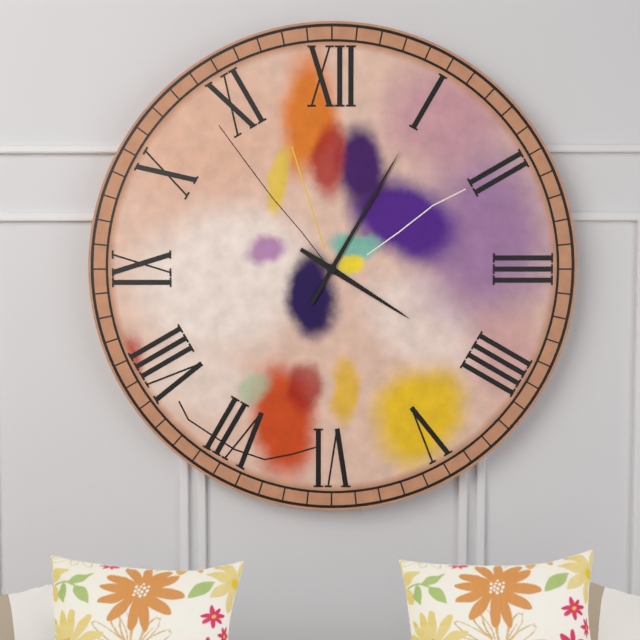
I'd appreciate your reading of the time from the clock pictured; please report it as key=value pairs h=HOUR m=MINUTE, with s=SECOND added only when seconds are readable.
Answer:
h=4 m=5
